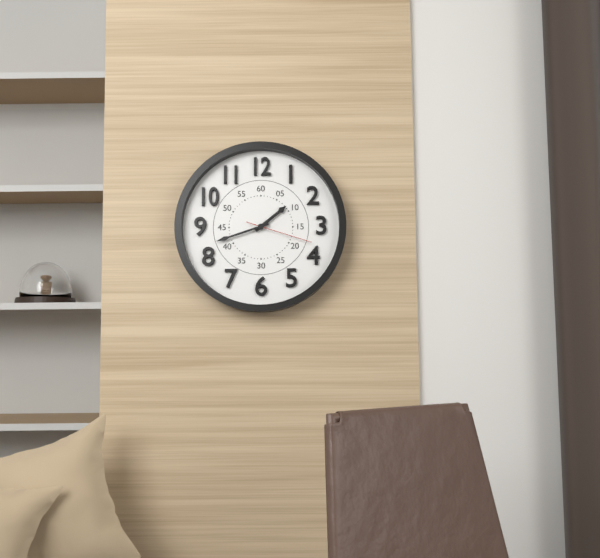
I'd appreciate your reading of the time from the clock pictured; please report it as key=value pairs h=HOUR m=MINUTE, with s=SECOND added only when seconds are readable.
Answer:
h=1 m=42 s=18
